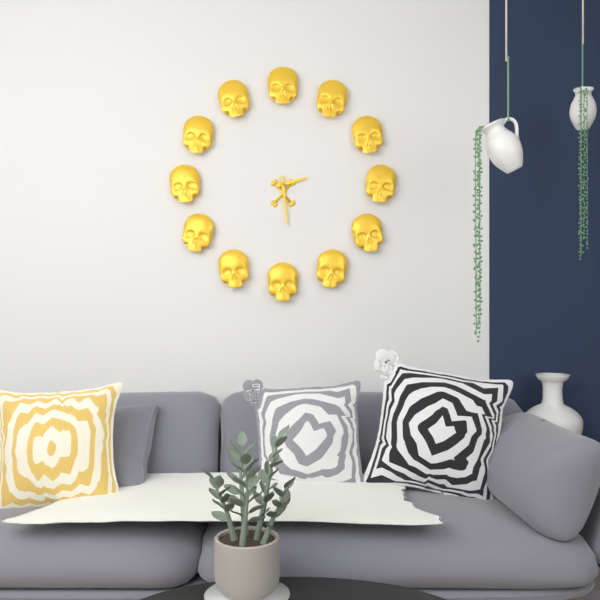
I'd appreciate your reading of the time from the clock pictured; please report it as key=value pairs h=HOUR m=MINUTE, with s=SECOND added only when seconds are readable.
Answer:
h=2 m=29
